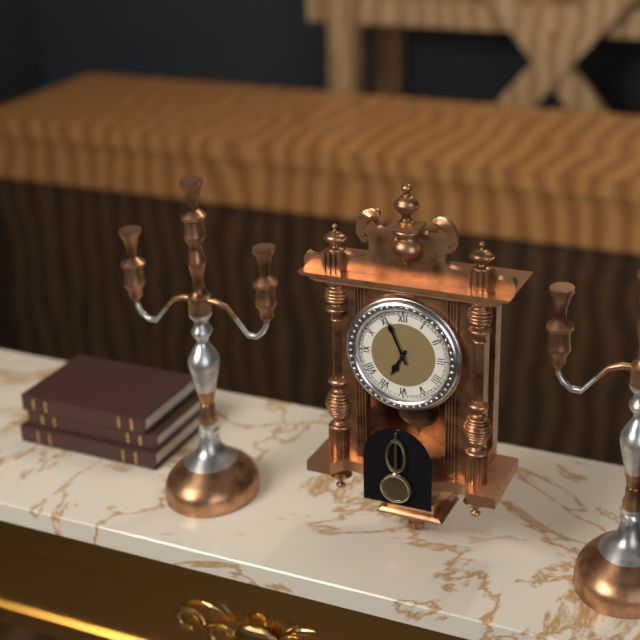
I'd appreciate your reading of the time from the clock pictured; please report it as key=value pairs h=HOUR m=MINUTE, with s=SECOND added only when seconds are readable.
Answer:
h=6 m=56
